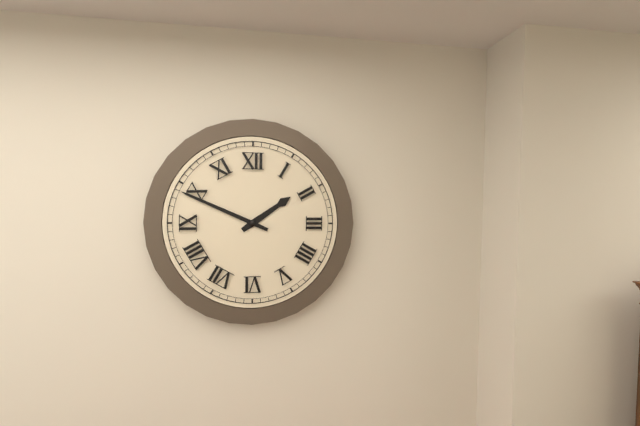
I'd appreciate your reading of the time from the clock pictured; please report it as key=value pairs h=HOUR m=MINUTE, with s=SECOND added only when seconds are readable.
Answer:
h=1 m=49
